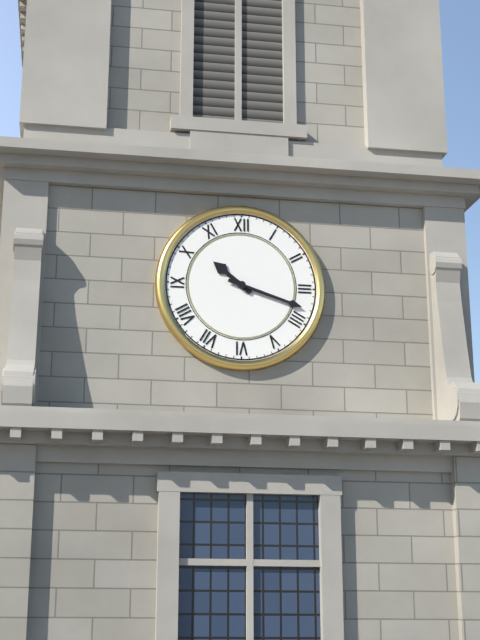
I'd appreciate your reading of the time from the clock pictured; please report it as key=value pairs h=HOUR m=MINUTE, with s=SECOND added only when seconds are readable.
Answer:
h=10 m=18
